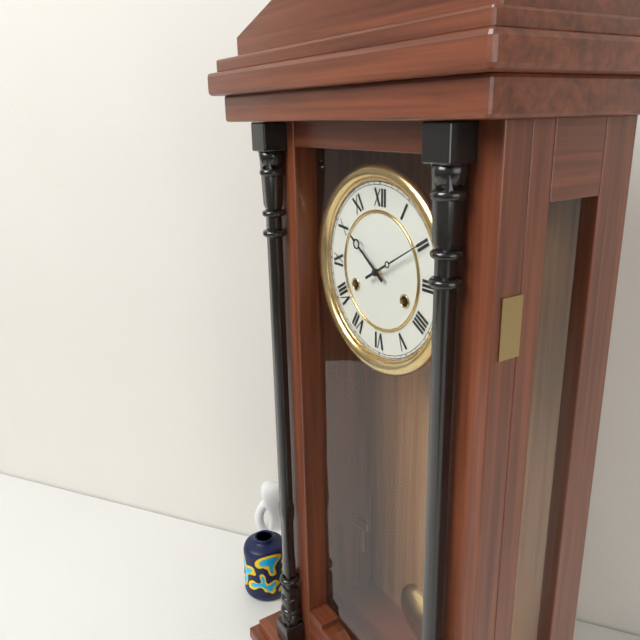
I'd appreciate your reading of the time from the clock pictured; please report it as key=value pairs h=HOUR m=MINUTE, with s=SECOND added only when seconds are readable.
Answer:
h=10 m=10
